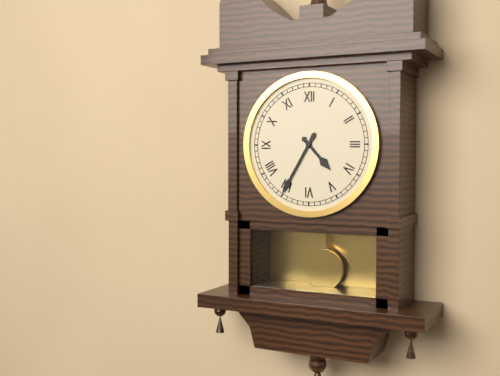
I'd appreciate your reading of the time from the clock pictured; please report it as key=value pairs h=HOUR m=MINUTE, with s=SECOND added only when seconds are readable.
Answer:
h=4 m=35
